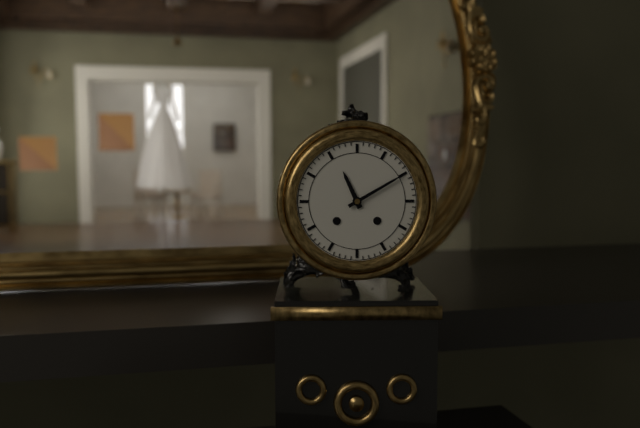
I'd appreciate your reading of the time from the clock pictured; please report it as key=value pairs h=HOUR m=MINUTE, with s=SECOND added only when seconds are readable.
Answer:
h=11 m=10
